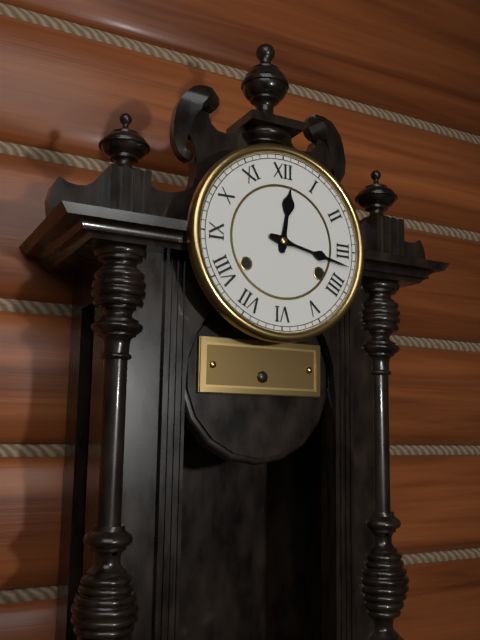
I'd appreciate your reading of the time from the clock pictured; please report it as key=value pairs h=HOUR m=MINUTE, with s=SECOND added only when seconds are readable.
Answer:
h=12 m=17
